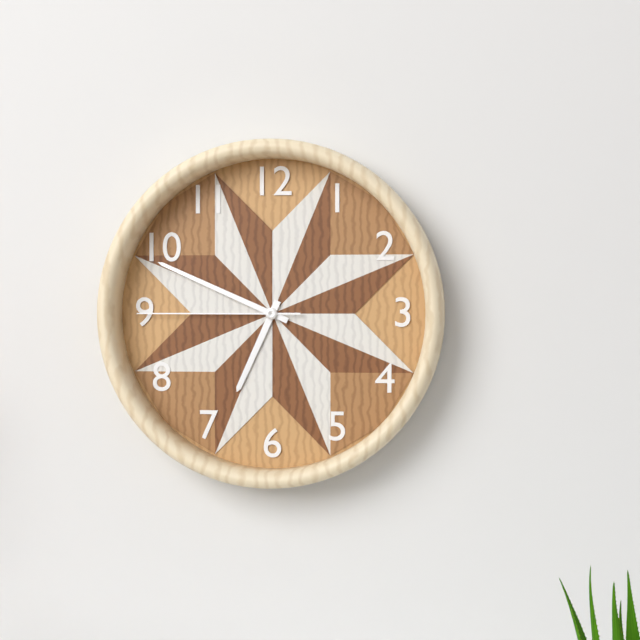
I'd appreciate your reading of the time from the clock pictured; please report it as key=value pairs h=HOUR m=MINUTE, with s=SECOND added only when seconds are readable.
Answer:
h=6 m=49 s=45
